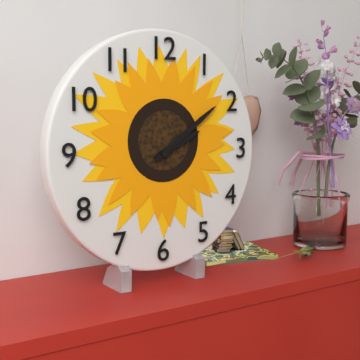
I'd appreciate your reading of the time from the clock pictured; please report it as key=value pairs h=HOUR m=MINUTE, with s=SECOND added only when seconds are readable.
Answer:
h=2 m=9
